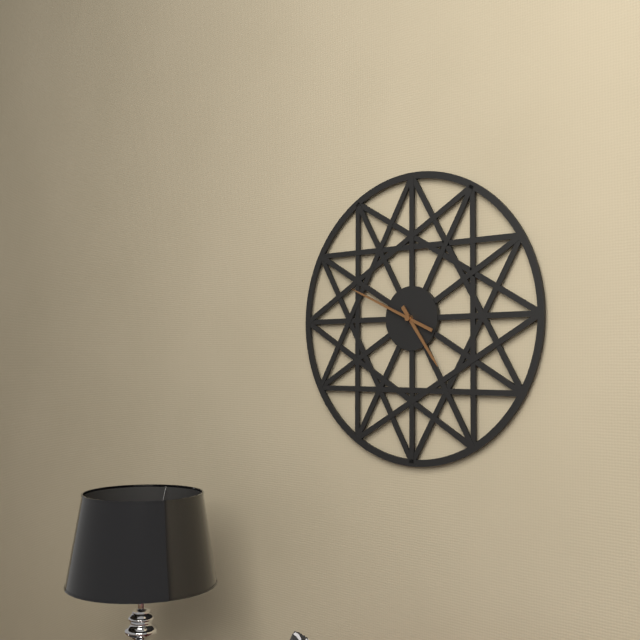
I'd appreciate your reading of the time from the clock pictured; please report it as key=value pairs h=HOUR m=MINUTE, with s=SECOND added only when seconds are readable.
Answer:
h=4 m=49
